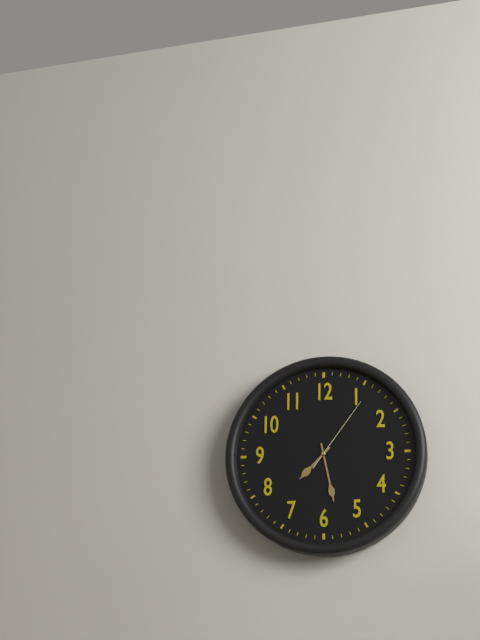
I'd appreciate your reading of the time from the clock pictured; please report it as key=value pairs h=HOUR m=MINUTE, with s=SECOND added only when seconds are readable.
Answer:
h=7 m=28 s=6
